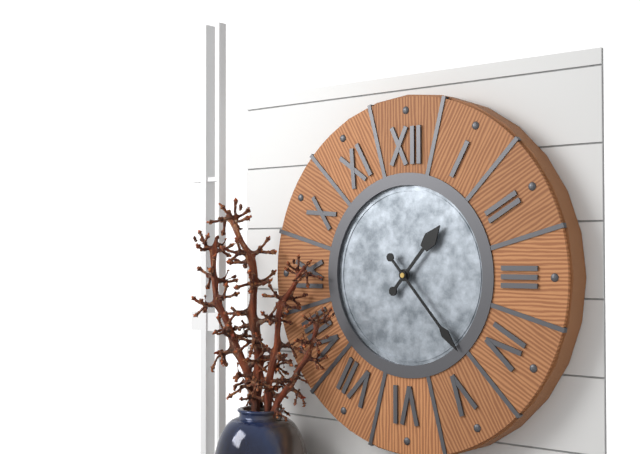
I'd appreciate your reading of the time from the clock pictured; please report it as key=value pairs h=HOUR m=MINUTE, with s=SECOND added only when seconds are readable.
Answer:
h=1 m=23
